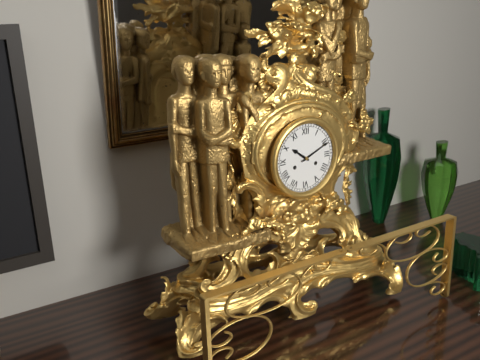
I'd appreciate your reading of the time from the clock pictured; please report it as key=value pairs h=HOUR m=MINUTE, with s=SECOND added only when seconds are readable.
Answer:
h=10 m=11
